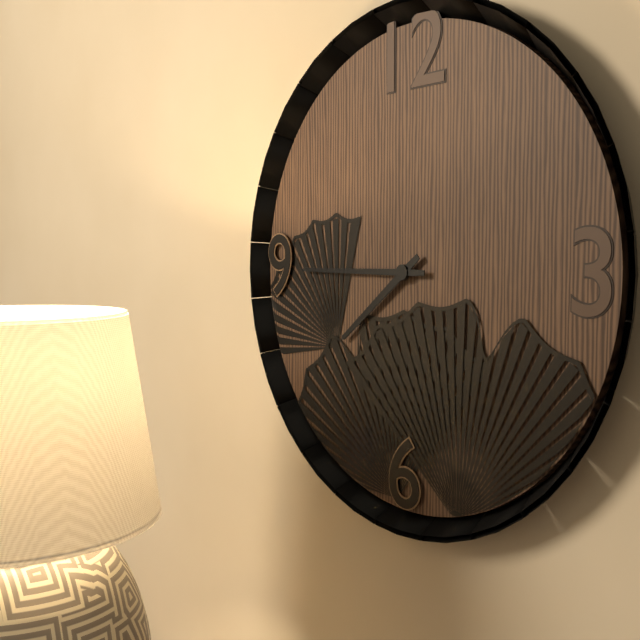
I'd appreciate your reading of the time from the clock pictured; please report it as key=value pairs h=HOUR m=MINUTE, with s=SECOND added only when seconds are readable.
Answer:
h=7 m=45
